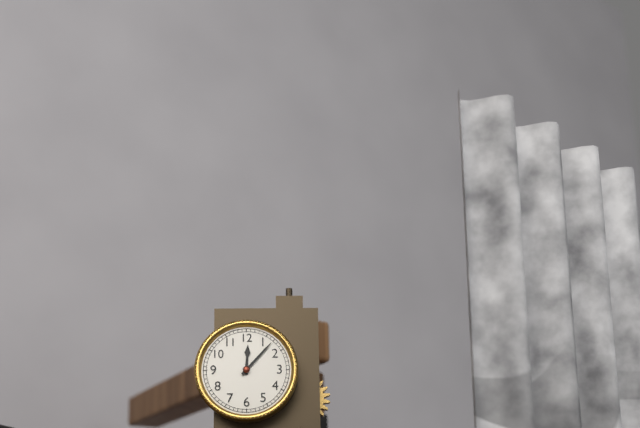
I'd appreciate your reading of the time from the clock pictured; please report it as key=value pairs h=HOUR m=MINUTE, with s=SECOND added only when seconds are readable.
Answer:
h=12 m=7
